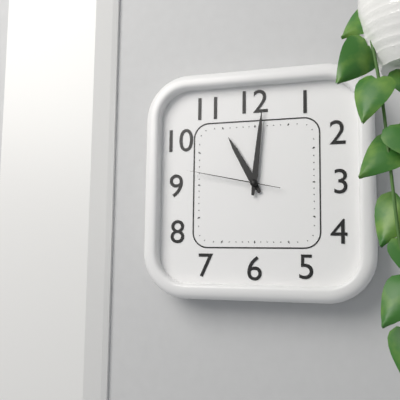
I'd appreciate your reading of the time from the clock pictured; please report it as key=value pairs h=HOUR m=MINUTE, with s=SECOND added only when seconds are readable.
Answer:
h=11 m=1 s=47
